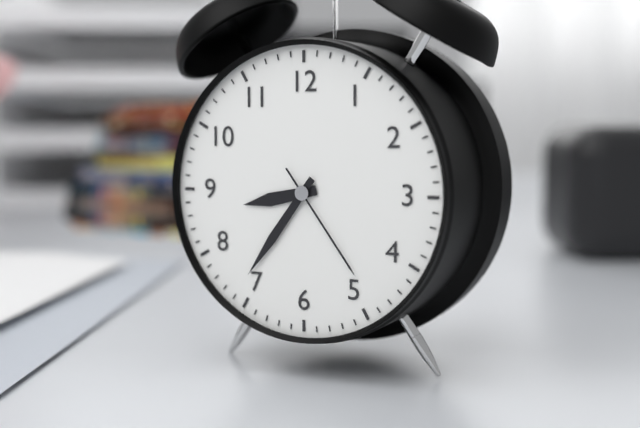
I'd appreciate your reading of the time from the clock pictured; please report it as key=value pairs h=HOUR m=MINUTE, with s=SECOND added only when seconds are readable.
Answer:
h=8 m=36 s=24
